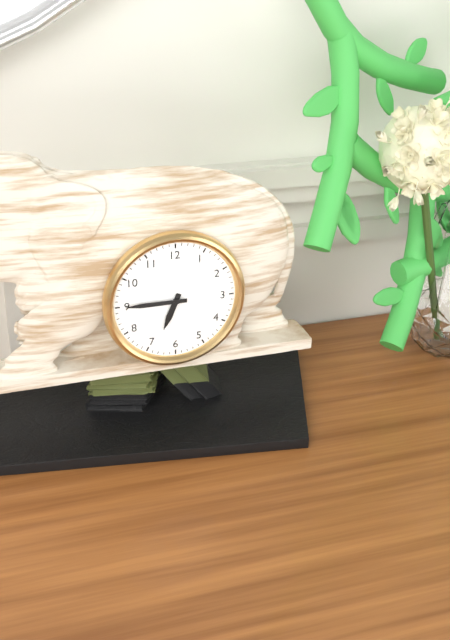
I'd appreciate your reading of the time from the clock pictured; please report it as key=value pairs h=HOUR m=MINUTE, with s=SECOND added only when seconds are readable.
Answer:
h=6 m=45
